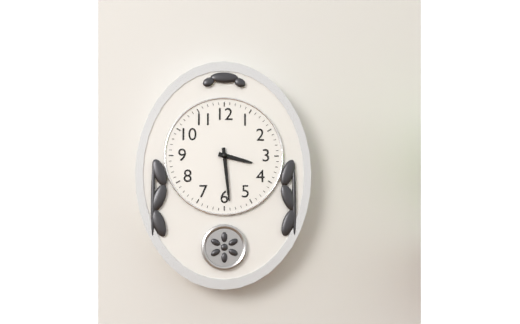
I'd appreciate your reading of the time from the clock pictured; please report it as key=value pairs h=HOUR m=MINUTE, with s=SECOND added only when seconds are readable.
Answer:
h=3 m=29
